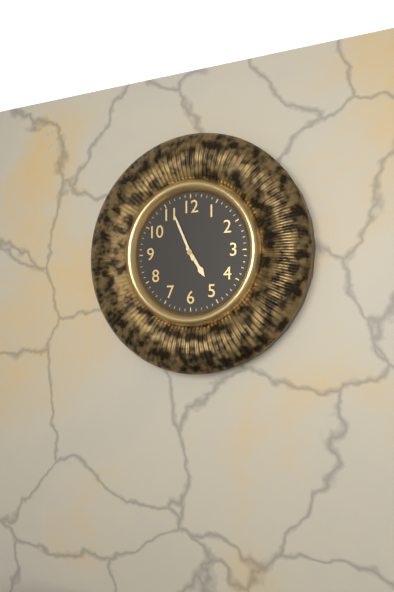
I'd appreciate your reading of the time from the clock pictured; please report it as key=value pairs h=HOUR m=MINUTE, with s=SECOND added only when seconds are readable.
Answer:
h=4 m=56
